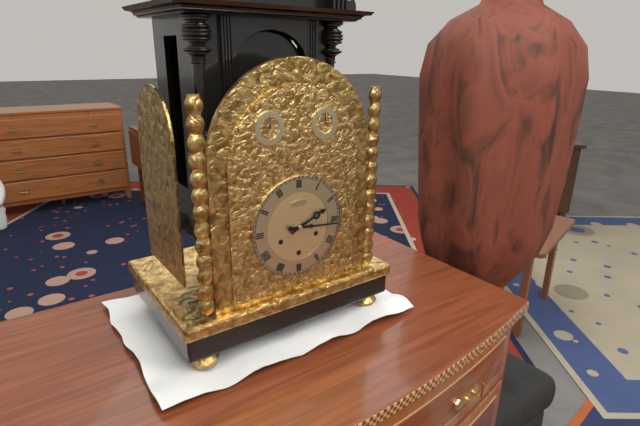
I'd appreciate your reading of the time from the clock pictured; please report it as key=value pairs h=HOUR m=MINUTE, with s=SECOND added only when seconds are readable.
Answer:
h=2 m=16
